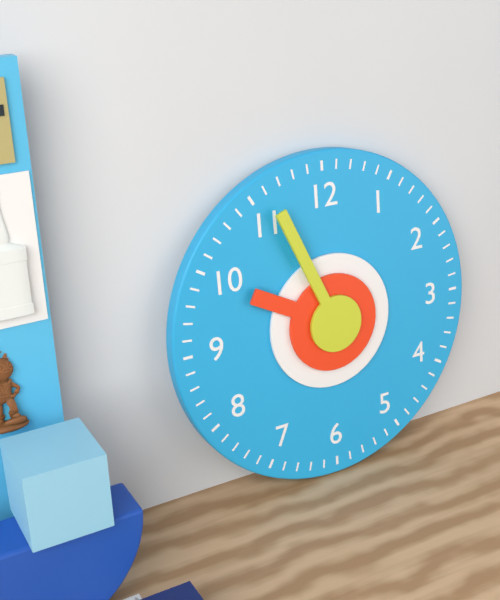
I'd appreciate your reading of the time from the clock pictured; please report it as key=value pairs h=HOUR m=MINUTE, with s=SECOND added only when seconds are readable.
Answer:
h=9 m=56
